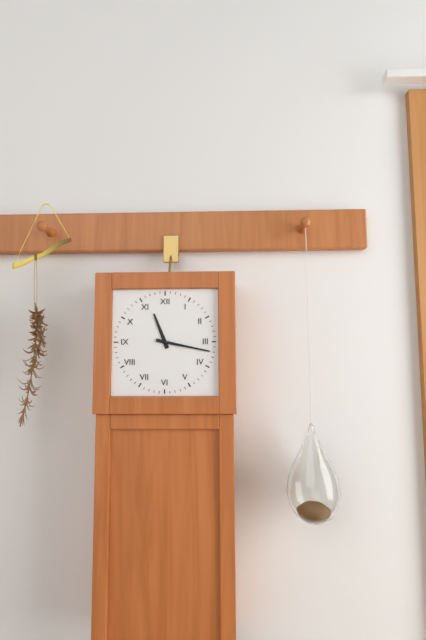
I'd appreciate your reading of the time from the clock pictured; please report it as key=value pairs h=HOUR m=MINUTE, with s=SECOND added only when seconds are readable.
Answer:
h=11 m=17
